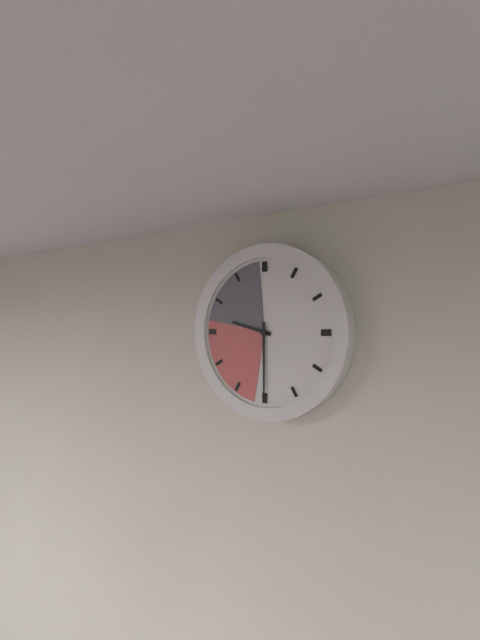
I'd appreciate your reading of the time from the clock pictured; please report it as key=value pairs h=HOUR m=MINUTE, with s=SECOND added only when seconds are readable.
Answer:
h=9 m=30
